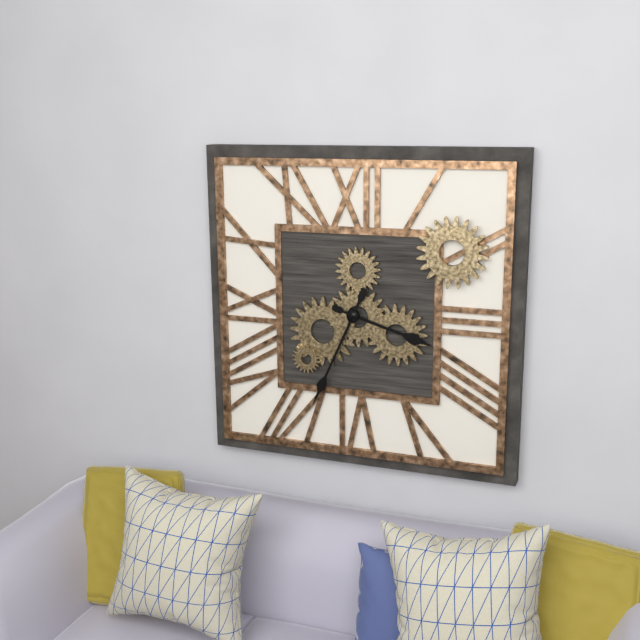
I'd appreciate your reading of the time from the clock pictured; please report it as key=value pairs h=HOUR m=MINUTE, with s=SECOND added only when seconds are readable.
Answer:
h=3 m=34
